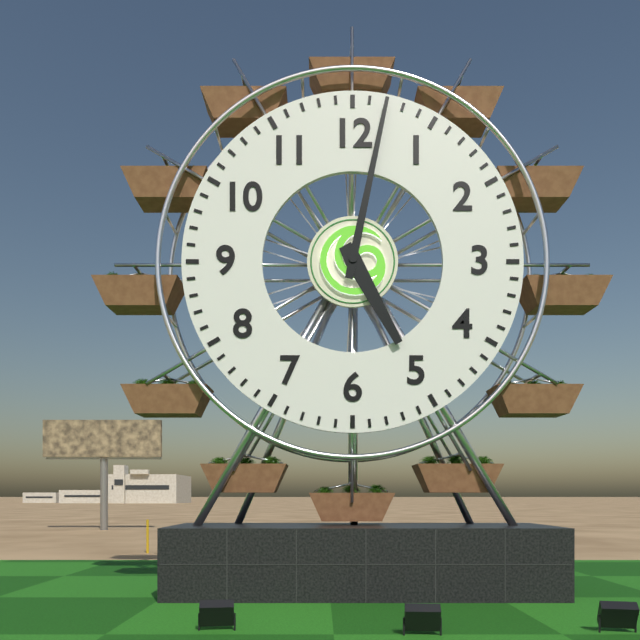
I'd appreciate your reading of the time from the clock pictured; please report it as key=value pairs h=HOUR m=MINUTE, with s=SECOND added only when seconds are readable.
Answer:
h=5 m=2
